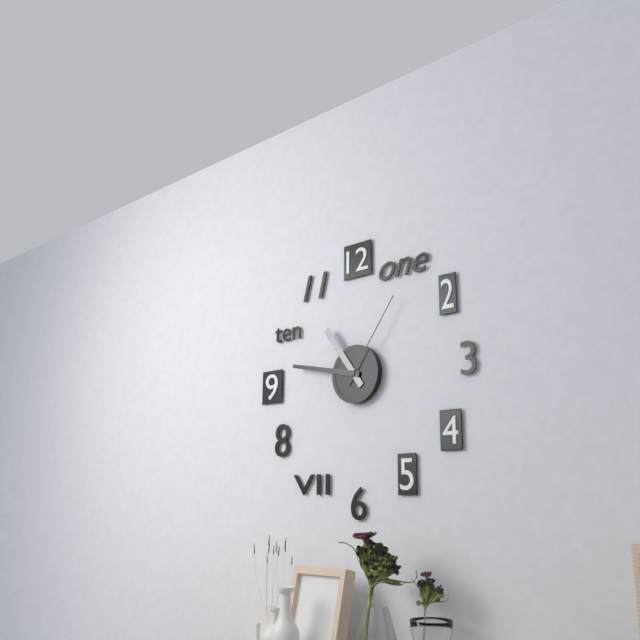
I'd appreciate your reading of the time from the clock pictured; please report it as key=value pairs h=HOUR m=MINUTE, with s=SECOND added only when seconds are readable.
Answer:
h=10 m=47 s=6
